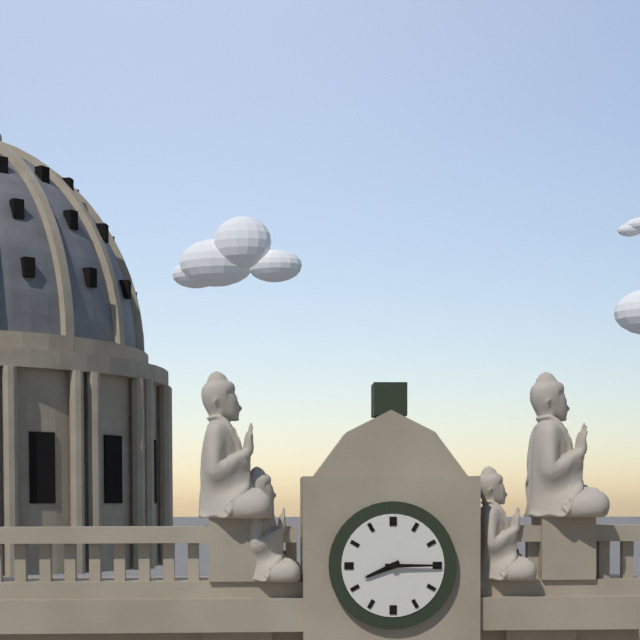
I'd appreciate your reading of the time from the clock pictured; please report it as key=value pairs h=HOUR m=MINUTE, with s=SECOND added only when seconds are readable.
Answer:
h=8 m=15
